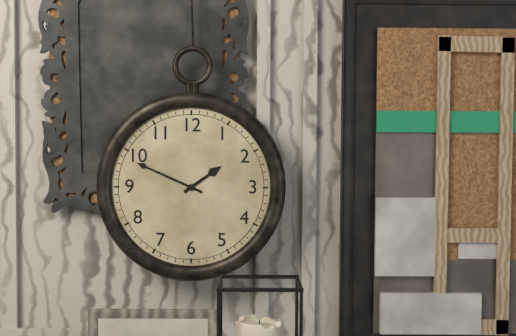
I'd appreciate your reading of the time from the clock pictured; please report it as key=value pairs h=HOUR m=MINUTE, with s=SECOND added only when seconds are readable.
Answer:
h=1 m=49
